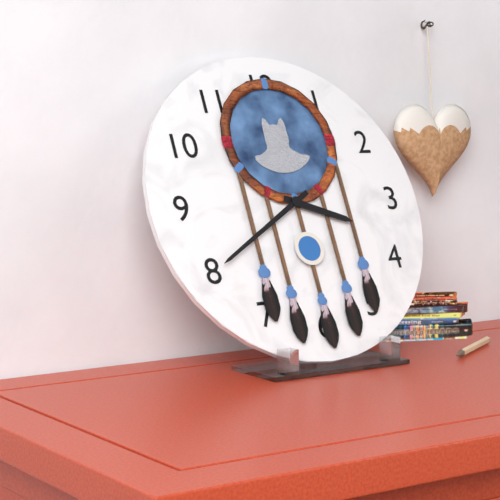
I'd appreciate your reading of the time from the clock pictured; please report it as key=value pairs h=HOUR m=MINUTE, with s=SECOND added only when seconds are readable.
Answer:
h=3 m=40
